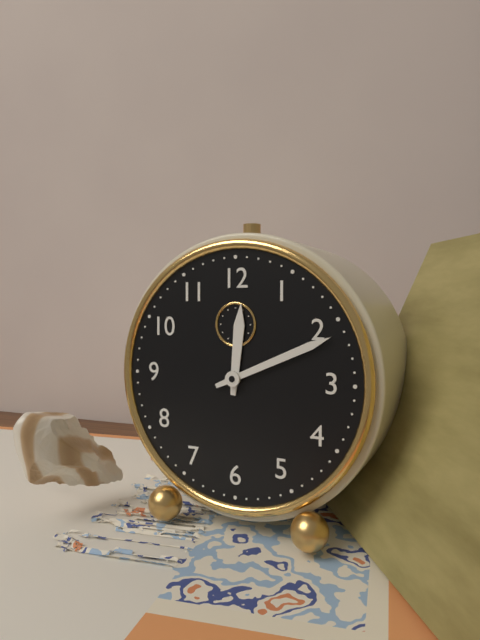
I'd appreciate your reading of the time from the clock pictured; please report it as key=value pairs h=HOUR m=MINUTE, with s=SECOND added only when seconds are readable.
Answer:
h=12 m=11
